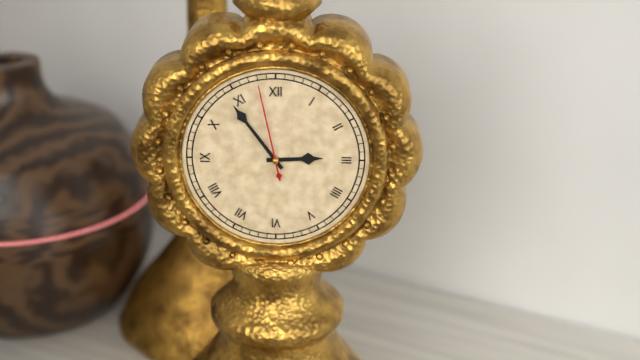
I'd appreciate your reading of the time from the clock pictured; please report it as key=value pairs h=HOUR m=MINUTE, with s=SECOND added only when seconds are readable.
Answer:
h=2 m=54 s=58
